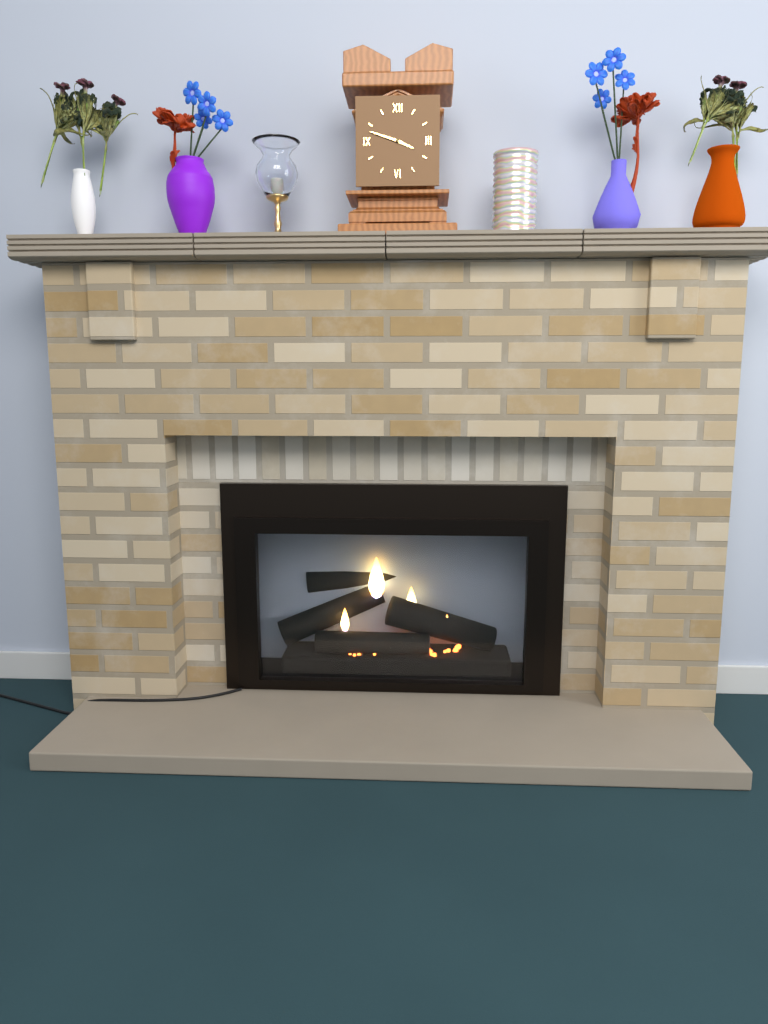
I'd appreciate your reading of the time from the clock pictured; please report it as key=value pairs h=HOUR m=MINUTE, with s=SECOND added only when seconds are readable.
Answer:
h=3 m=48
